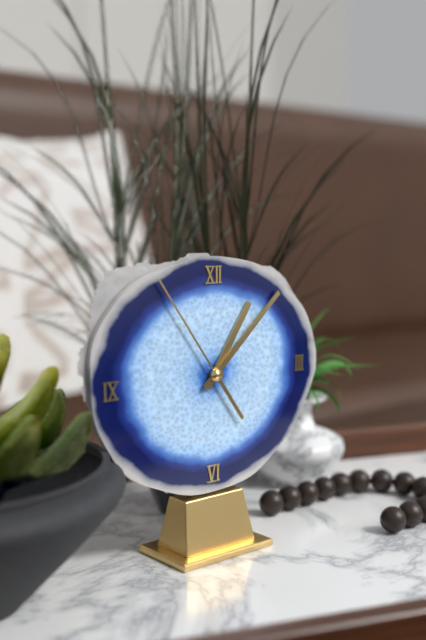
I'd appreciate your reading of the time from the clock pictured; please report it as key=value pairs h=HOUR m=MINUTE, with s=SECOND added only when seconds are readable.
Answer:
h=1 m=8 s=54
